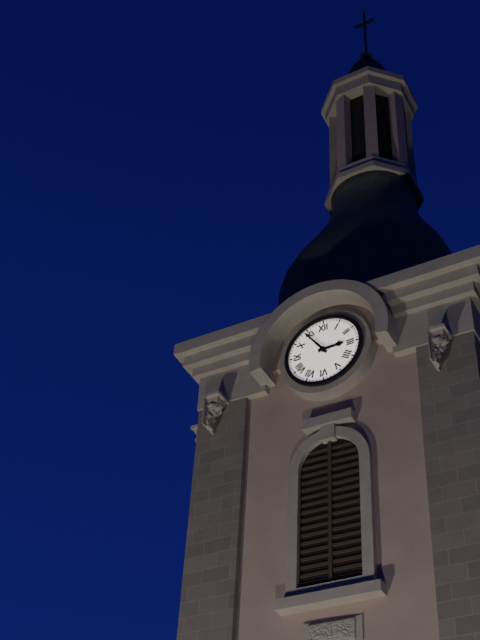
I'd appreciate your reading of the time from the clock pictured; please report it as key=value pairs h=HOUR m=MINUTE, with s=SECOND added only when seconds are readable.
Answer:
h=2 m=54
